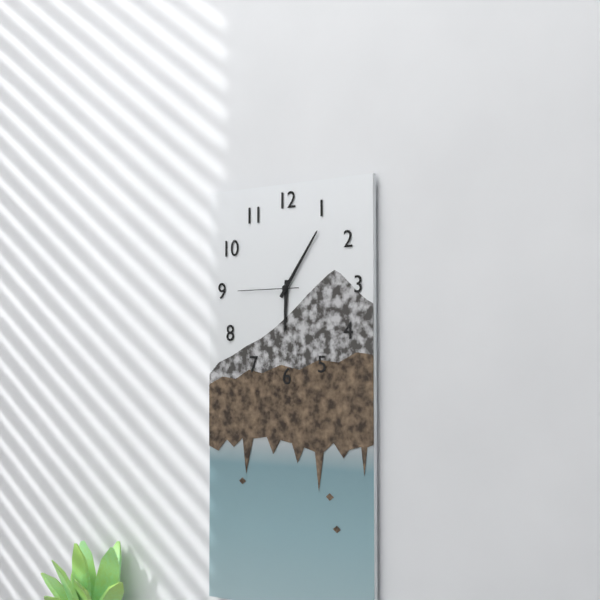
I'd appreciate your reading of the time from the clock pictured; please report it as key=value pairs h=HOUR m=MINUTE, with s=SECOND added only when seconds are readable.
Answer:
h=6 m=6 s=45
